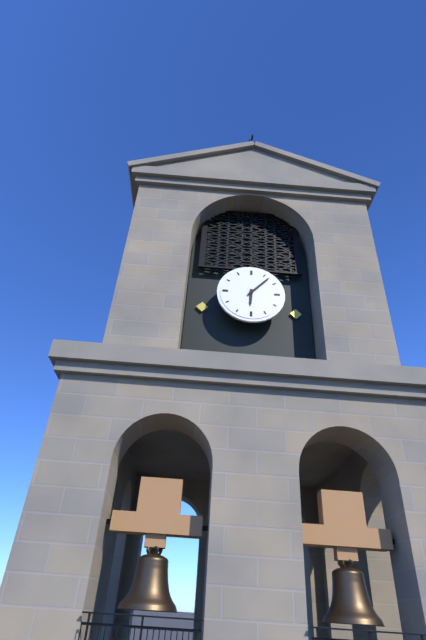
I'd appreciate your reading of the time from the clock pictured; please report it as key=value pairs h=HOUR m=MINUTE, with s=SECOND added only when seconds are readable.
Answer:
h=6 m=7
